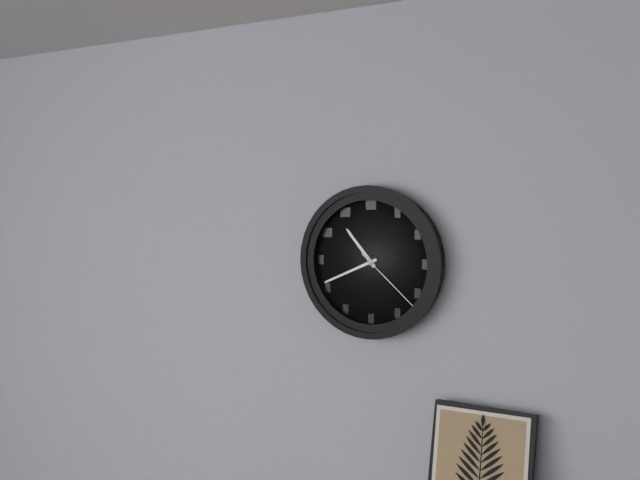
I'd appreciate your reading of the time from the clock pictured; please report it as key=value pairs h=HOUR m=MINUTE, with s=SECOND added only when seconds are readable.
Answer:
h=10 m=41 s=22
